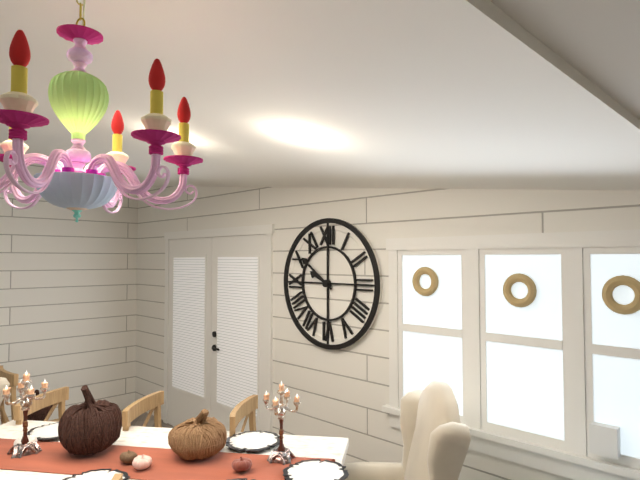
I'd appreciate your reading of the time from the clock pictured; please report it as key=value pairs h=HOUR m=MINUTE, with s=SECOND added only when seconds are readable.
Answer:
h=9 m=51
